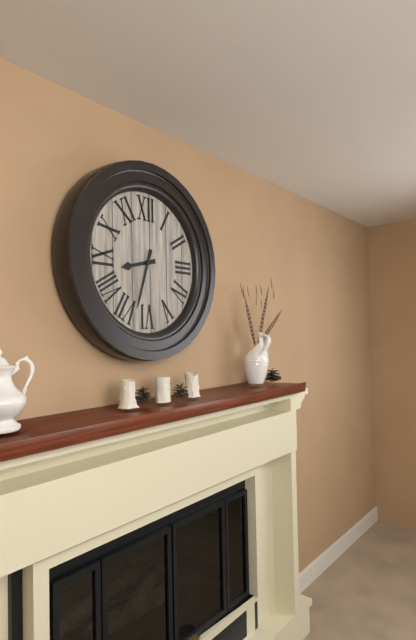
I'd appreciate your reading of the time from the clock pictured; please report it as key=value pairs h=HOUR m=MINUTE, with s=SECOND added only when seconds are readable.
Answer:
h=8 m=33
